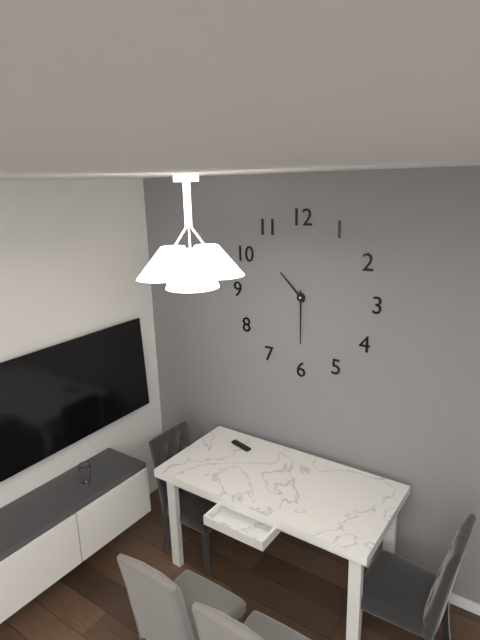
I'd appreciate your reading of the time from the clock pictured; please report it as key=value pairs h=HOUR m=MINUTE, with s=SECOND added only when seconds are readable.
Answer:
h=10 m=30
